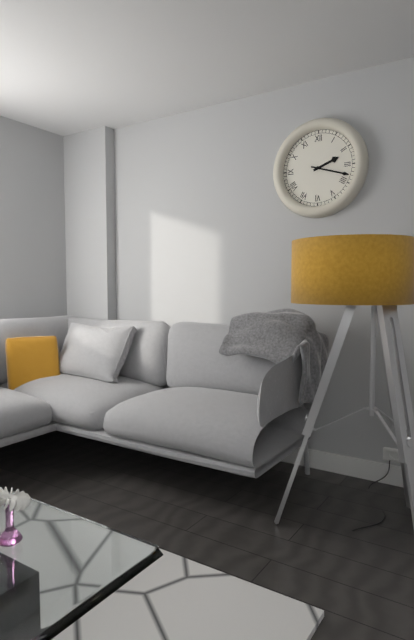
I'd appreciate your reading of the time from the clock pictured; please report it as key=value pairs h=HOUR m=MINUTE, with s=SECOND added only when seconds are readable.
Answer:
h=2 m=18
